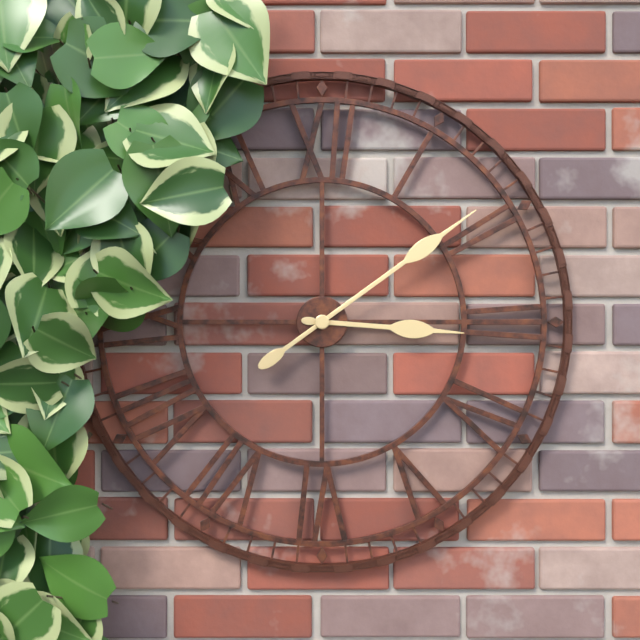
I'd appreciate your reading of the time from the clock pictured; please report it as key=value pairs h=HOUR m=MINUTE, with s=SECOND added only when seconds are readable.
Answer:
h=3 m=9
